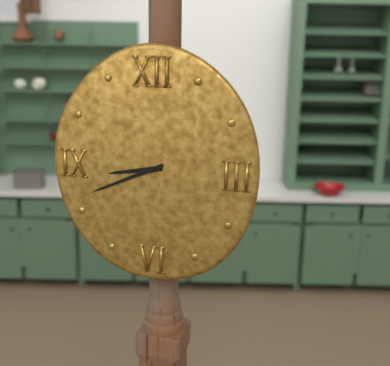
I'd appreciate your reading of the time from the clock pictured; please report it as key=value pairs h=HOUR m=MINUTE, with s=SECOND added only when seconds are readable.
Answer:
h=8 m=41
